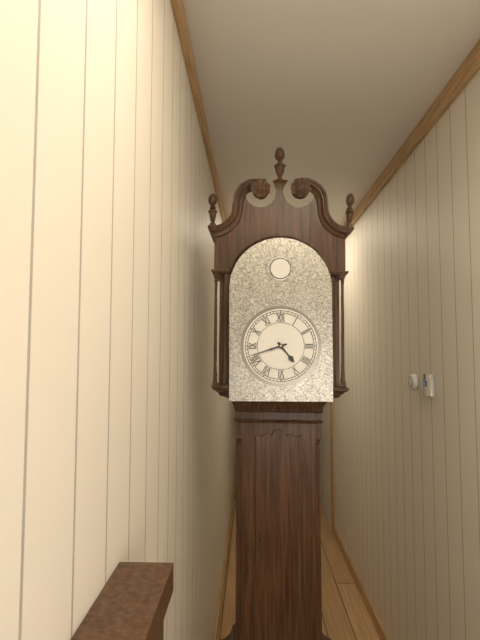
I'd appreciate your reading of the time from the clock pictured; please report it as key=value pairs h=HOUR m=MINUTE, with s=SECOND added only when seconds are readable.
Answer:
h=4 m=42
